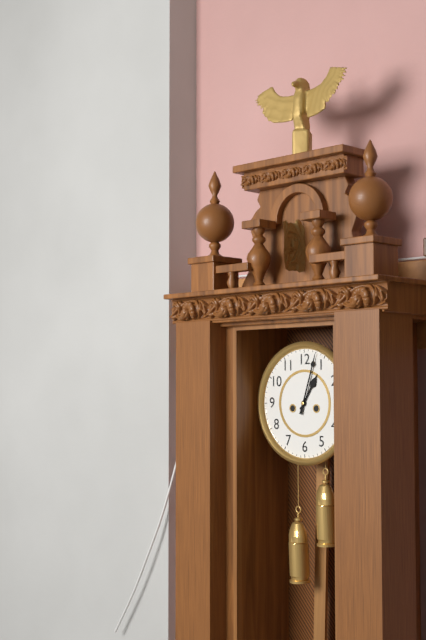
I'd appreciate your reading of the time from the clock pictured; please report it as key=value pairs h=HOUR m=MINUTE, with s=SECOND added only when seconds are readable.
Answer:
h=1 m=3
